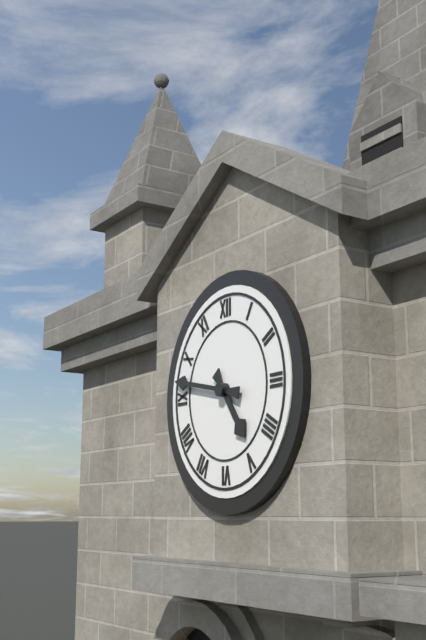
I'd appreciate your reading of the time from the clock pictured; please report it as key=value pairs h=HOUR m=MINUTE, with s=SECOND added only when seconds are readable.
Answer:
h=4 m=47
